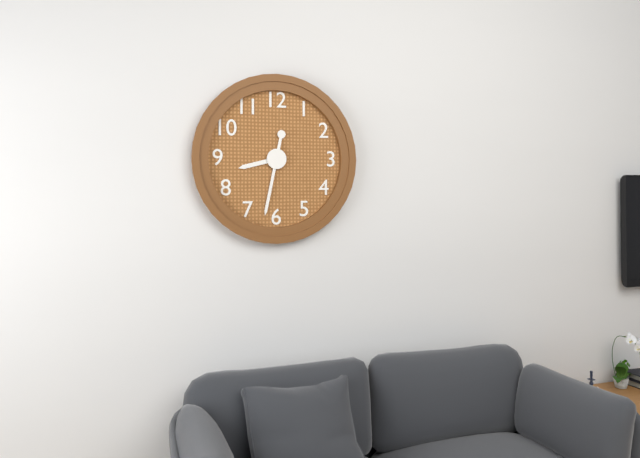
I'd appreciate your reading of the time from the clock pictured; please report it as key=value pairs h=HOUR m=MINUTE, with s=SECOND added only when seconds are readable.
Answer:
h=8 m=32
